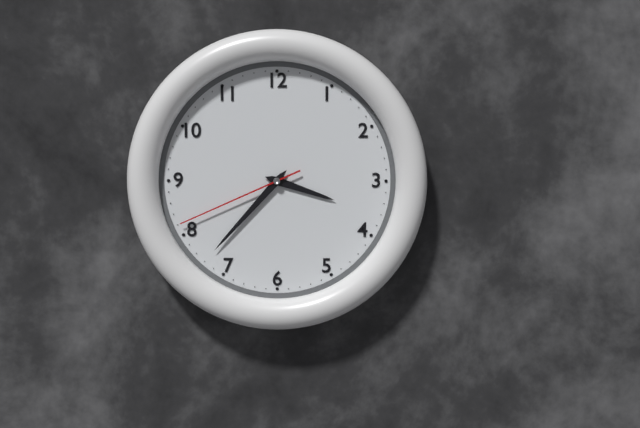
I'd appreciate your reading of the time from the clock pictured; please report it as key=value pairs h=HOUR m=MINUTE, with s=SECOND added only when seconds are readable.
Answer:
h=3 m=37 s=41
